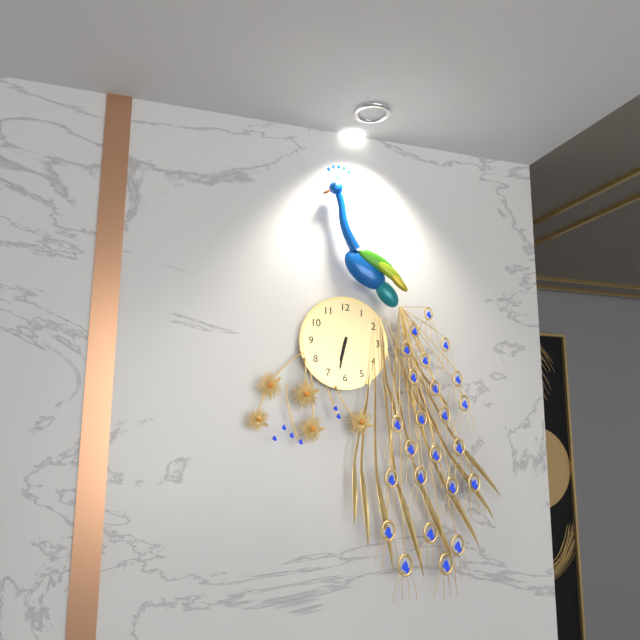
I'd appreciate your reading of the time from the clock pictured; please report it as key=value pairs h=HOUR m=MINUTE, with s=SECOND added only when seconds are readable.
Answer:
h=6 m=32
